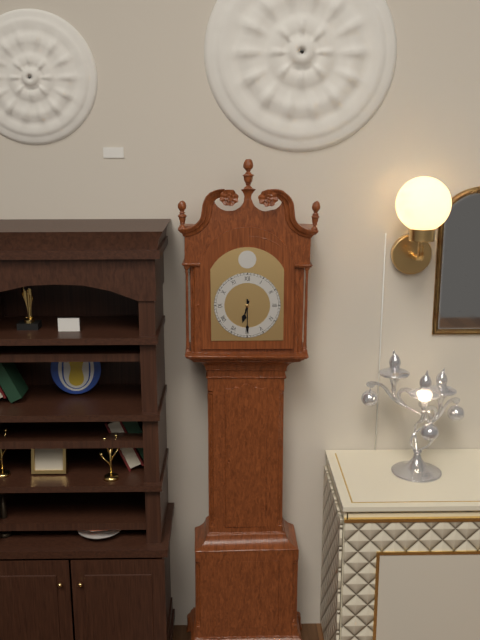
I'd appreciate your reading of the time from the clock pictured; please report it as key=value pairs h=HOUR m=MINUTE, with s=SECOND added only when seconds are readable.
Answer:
h=6 m=30
